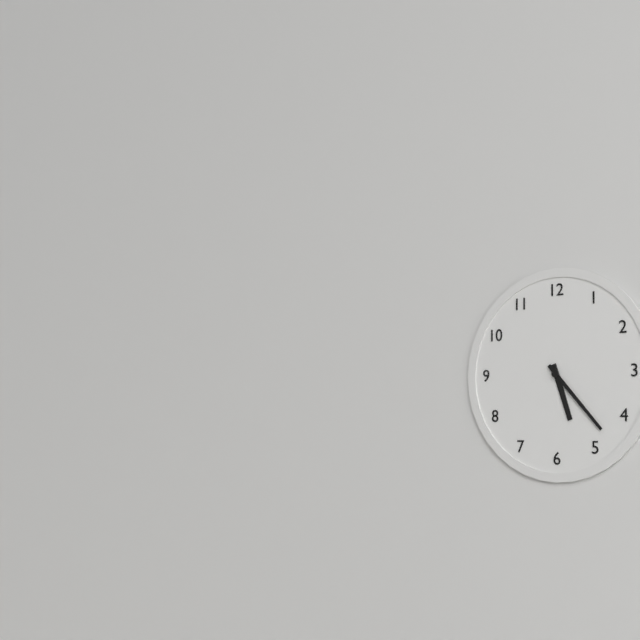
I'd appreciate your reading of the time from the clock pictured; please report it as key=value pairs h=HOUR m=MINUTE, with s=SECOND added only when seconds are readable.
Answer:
h=5 m=23
